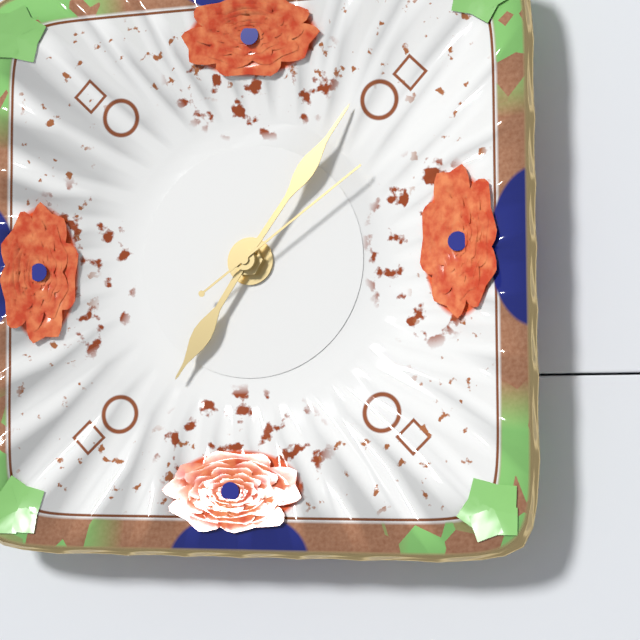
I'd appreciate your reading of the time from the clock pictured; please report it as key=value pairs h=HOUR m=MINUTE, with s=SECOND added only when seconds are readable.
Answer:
h=7 m=6 s=9
